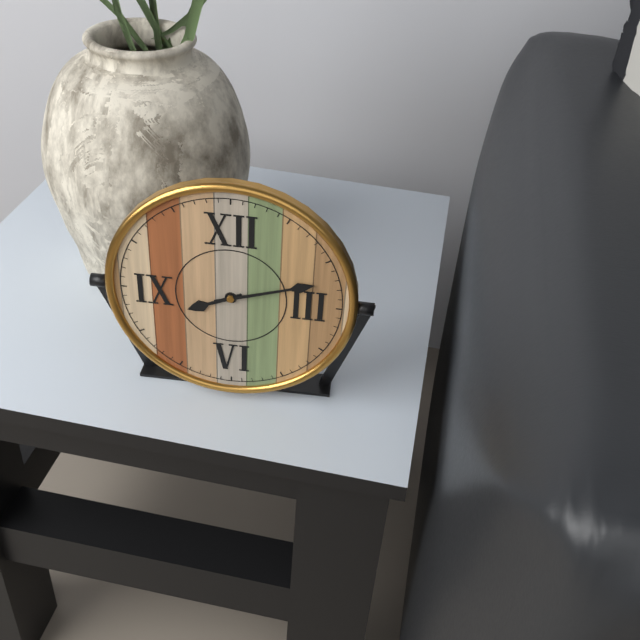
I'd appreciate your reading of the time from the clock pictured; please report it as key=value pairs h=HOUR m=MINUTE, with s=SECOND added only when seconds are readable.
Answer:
h=8 m=12
